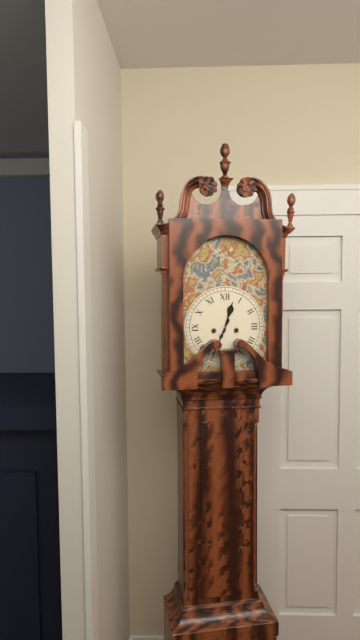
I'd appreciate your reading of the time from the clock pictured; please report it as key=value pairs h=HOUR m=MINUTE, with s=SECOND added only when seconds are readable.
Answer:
h=12 m=34
